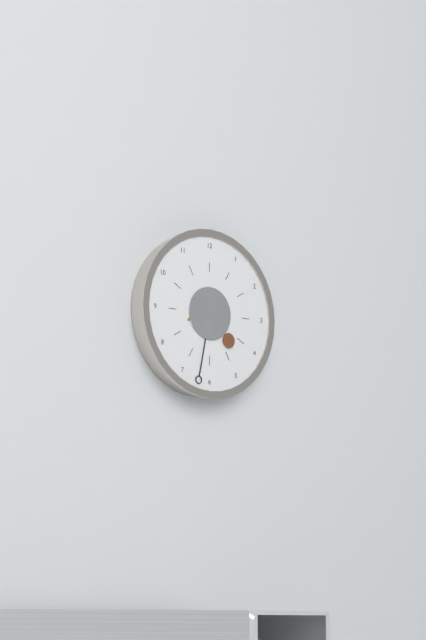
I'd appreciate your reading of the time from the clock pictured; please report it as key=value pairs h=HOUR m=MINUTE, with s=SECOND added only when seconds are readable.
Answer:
h=4 m=32
